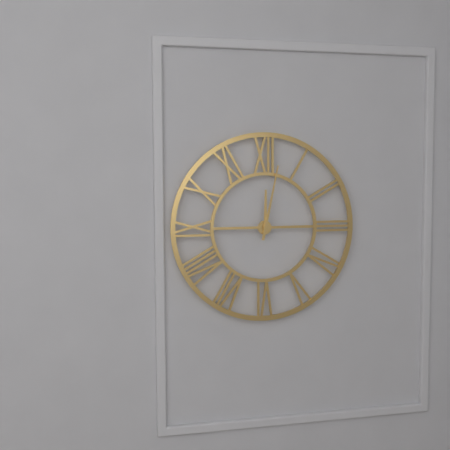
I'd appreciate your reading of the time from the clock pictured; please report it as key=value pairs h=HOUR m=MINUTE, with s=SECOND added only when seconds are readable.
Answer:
h=12 m=2
